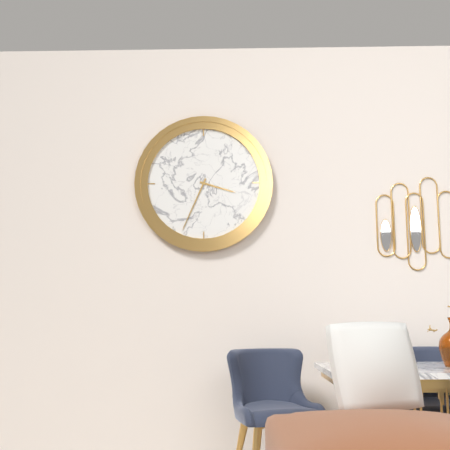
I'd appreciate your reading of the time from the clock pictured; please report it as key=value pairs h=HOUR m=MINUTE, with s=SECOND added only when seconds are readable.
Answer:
h=3 m=34
